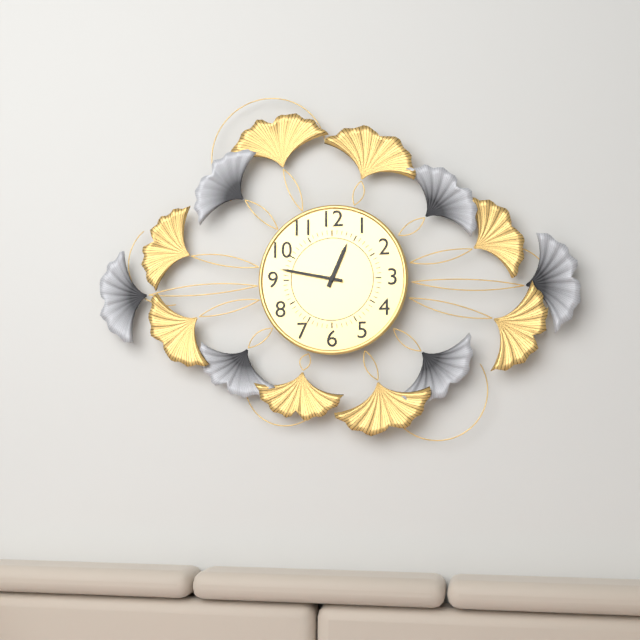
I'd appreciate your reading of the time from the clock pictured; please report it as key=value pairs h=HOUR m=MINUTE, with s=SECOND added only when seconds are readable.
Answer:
h=12 m=47
